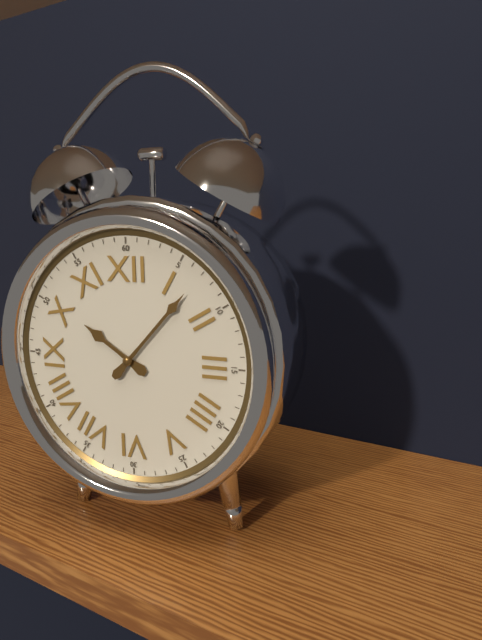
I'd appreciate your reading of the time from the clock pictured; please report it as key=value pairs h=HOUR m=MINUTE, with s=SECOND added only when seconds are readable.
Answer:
h=10 m=7
